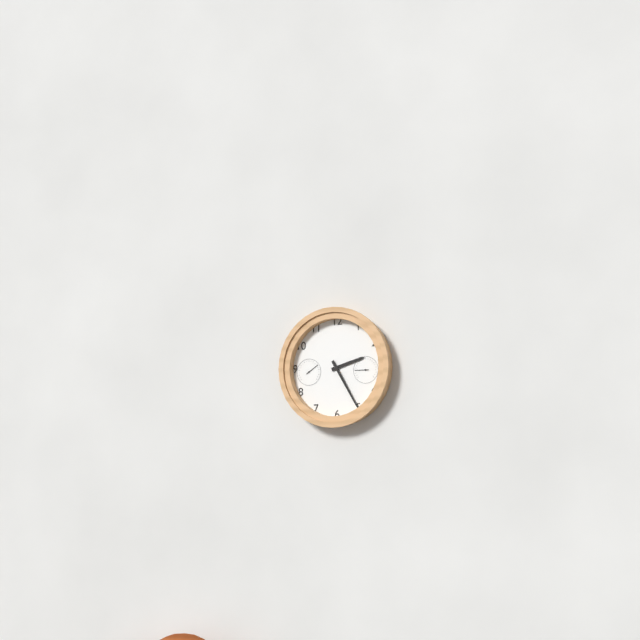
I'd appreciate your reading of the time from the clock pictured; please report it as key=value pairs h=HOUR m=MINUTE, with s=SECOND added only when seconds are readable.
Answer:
h=2 m=25
